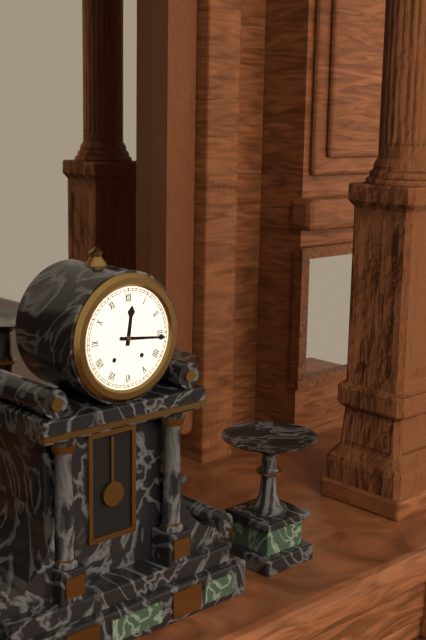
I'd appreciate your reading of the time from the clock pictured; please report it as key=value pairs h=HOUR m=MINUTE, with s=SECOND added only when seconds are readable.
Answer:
h=12 m=16
